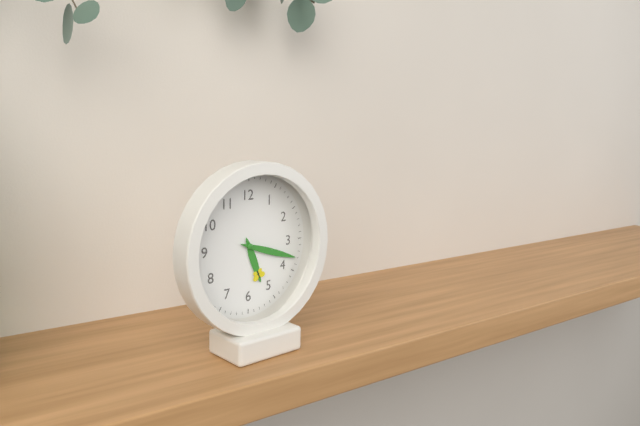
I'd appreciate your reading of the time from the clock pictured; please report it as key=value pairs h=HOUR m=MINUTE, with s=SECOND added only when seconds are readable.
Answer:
h=5 m=18
